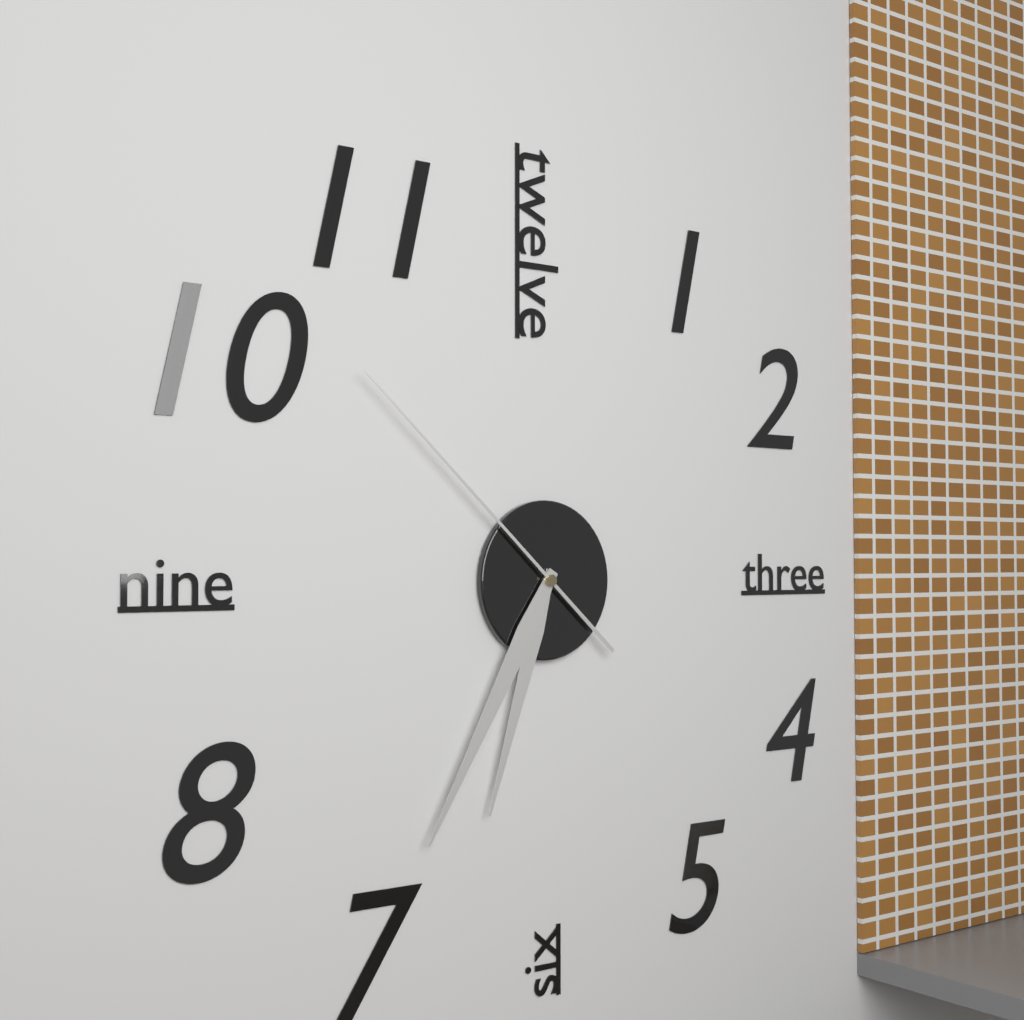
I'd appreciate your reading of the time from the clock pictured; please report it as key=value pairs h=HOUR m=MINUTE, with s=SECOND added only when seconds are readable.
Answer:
h=6 m=35 s=52
